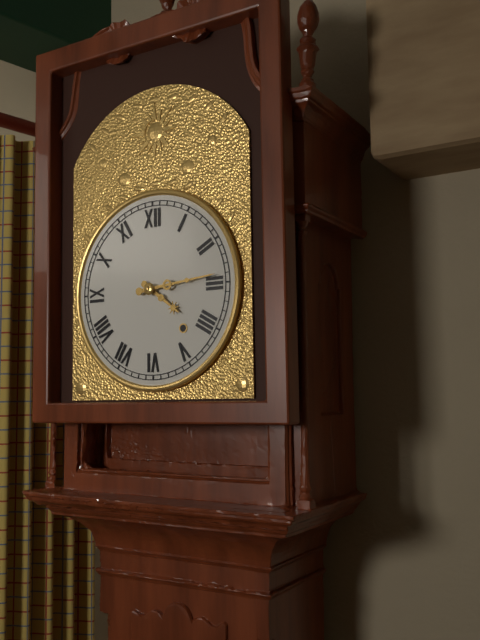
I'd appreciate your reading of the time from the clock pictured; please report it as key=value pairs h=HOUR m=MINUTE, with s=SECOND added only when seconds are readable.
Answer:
h=4 m=14
